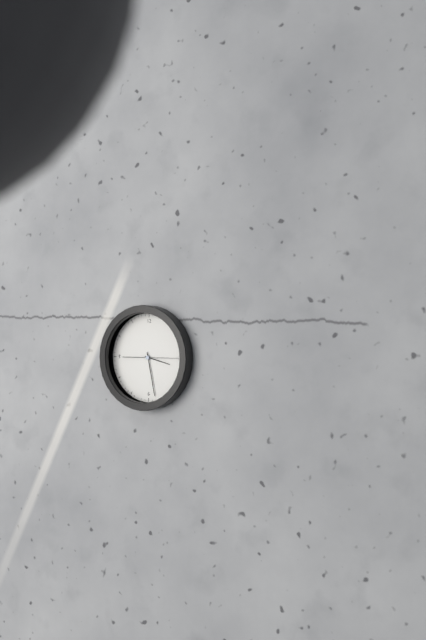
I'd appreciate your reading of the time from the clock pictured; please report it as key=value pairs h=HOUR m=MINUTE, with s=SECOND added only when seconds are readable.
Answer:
h=3 m=28
